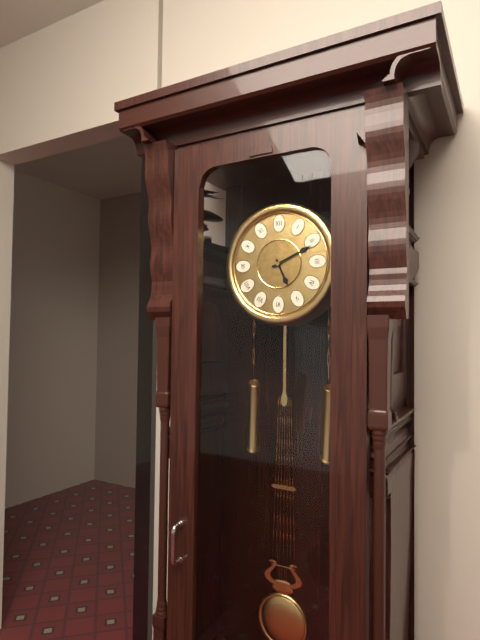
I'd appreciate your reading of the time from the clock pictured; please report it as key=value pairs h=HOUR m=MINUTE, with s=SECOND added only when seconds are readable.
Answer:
h=5 m=11
